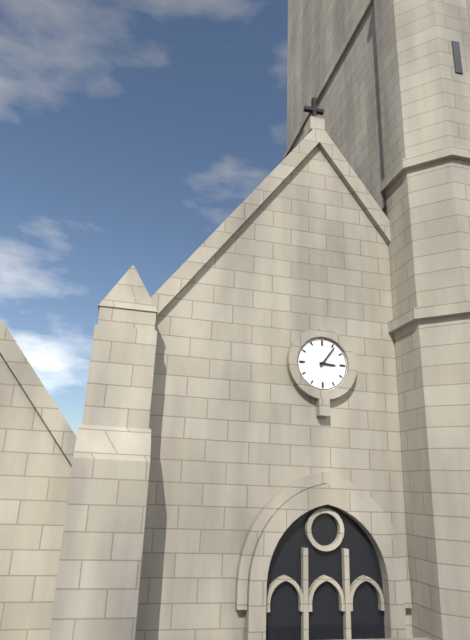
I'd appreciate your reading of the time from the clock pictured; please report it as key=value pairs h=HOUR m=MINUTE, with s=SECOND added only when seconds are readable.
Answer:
h=3 m=6
